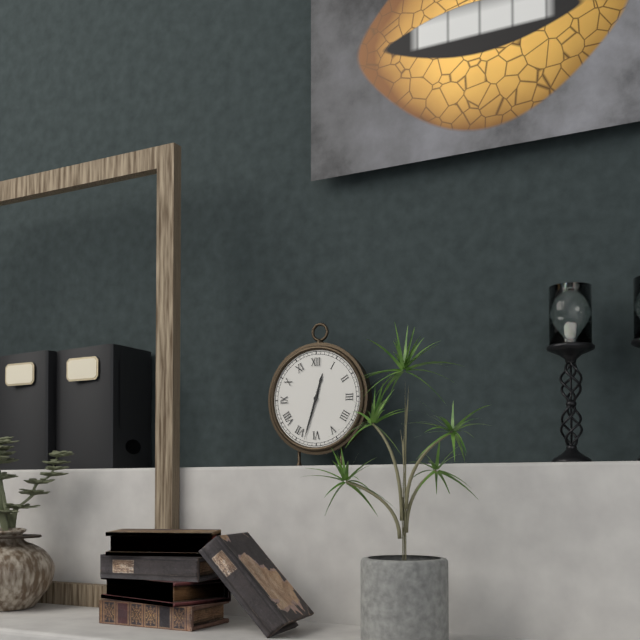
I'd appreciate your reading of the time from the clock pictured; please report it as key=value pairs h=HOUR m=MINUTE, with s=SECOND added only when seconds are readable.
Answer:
h=12 m=33
